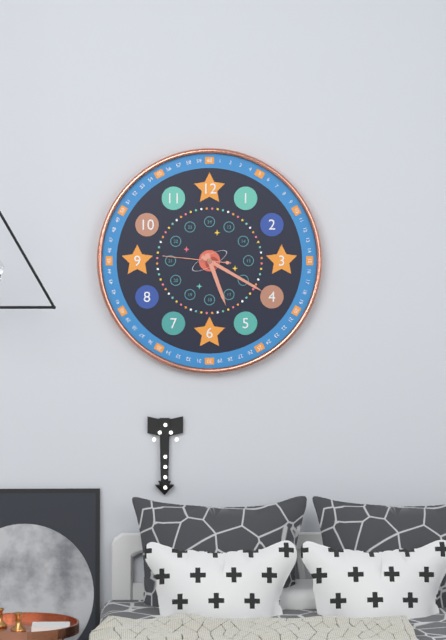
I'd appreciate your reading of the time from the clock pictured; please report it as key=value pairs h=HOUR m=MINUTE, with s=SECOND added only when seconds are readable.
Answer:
h=5 m=20 s=46
